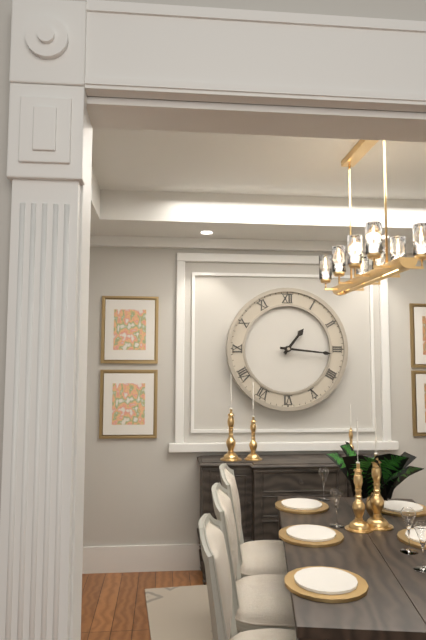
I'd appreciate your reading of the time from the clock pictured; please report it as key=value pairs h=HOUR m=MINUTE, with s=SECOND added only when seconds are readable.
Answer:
h=1 m=16
